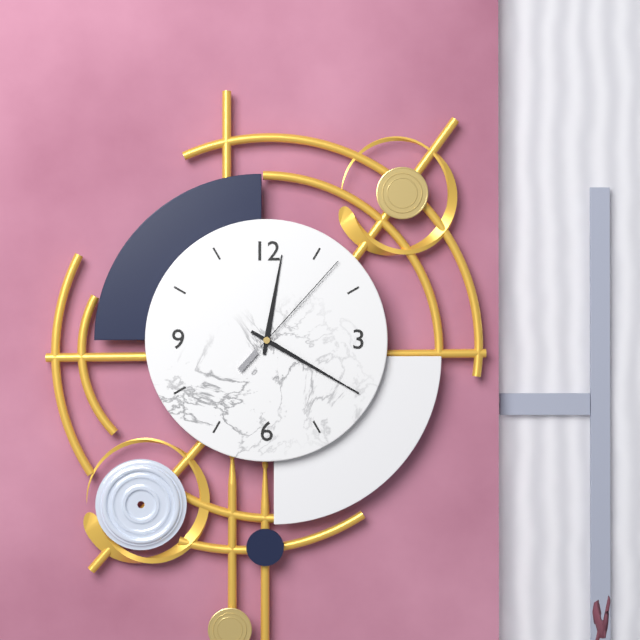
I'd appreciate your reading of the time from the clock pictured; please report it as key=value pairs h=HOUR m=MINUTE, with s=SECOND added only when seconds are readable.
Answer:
h=12 m=20 s=7
